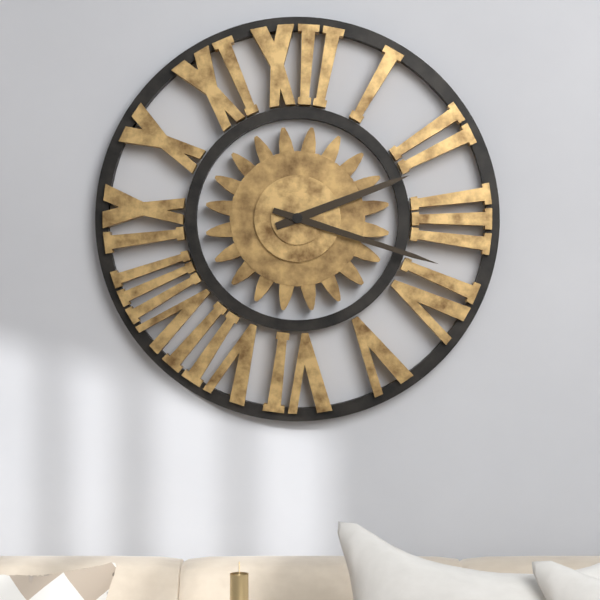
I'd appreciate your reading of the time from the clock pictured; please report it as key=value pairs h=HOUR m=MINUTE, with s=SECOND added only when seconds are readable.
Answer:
h=2 m=18
